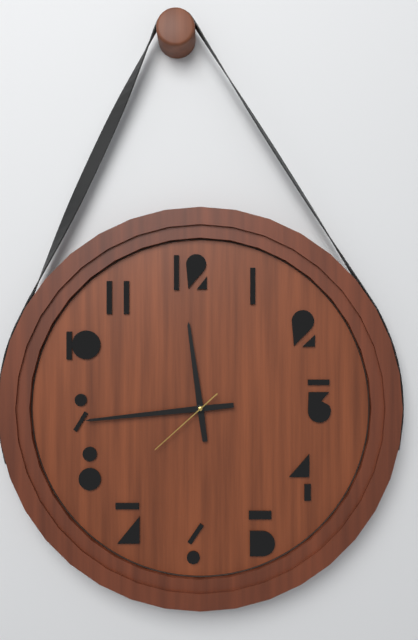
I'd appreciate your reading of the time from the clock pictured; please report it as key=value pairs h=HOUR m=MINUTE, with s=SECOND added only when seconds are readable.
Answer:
h=11 m=44 s=38
